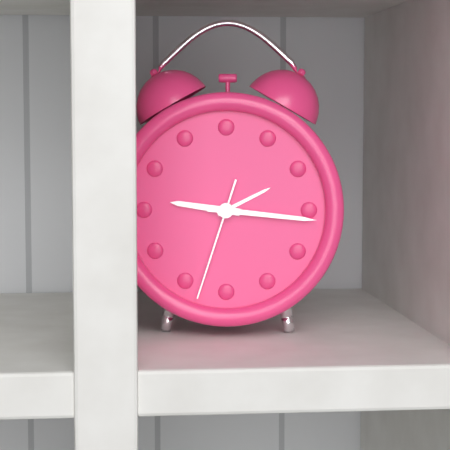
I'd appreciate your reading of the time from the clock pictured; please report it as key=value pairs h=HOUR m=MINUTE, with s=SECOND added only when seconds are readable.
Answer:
h=9 m=16 s=33
